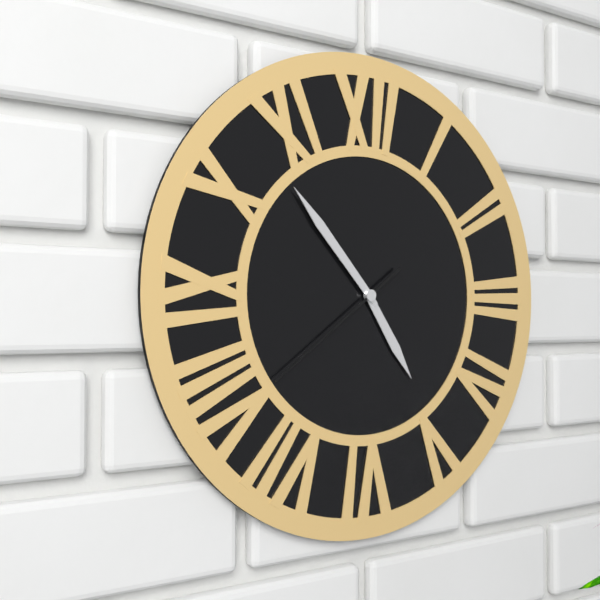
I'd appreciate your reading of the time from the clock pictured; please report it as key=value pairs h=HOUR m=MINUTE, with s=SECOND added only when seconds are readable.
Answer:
h=4 m=53 s=39
